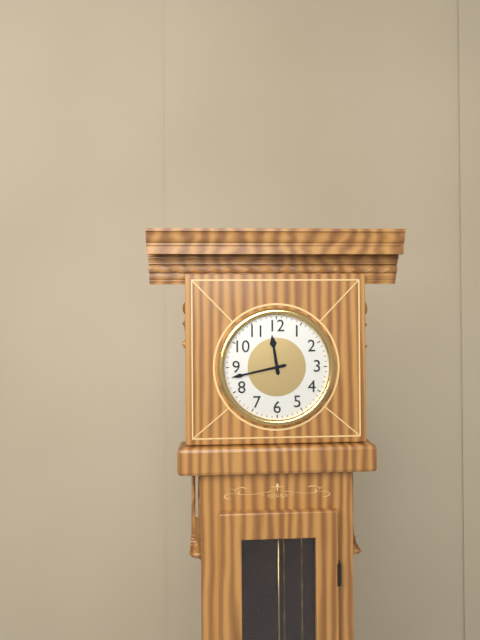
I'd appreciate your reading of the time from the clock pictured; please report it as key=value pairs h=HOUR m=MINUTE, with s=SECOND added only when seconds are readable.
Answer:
h=11 m=43
